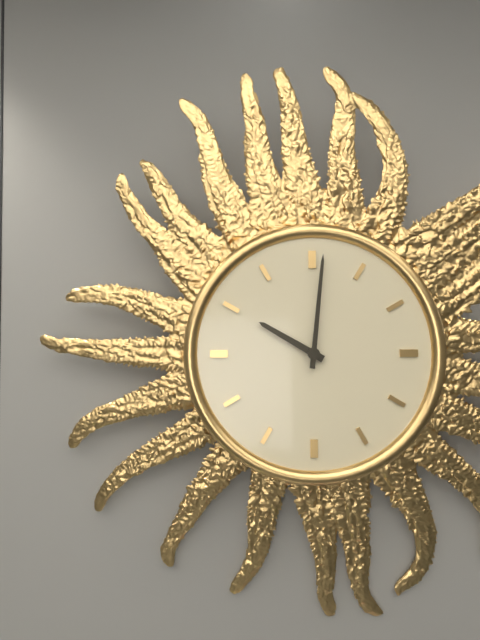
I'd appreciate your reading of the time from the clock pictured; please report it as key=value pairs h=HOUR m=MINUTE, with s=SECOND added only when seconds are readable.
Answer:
h=10 m=1
